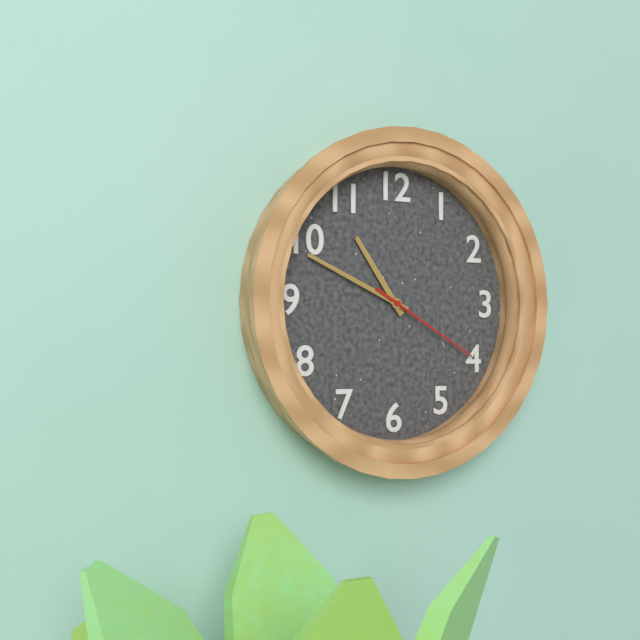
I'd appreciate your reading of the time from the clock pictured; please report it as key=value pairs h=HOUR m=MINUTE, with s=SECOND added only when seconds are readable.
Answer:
h=10 m=49 s=20
